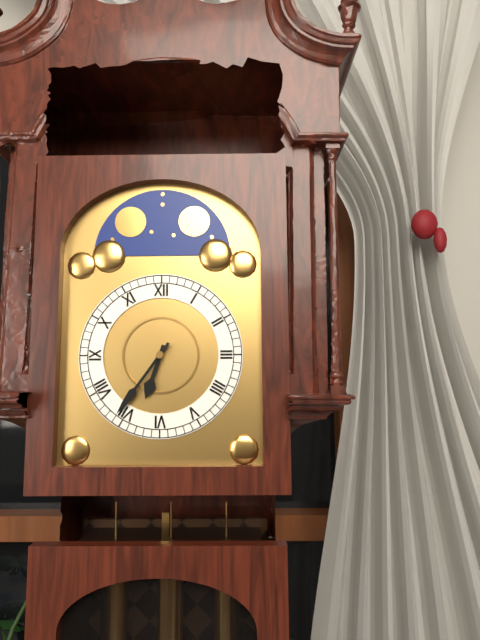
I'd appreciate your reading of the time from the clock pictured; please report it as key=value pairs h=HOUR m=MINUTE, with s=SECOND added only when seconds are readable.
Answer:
h=6 m=36
